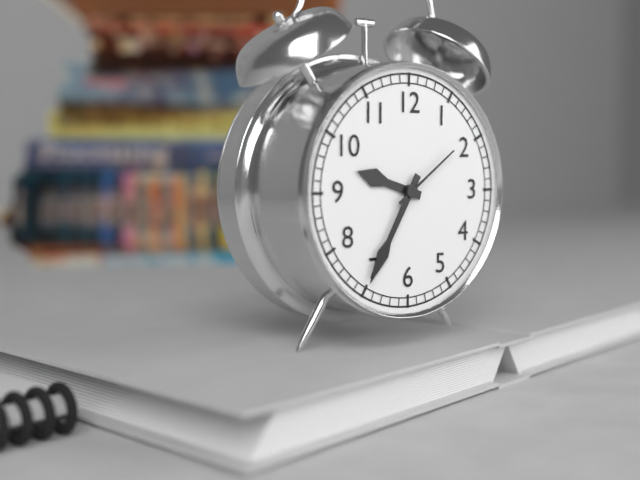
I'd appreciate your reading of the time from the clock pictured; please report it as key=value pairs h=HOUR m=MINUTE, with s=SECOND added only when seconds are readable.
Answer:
h=9 m=35 s=9
